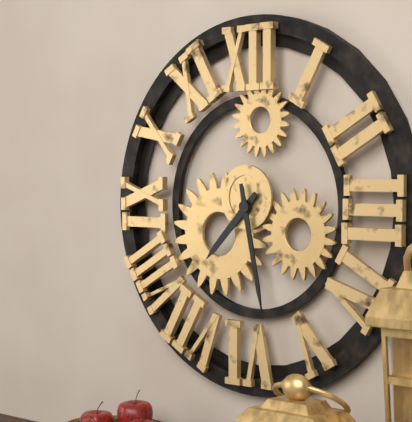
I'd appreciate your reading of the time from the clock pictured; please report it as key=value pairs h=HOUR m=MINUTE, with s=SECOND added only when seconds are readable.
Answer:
h=7 m=28
